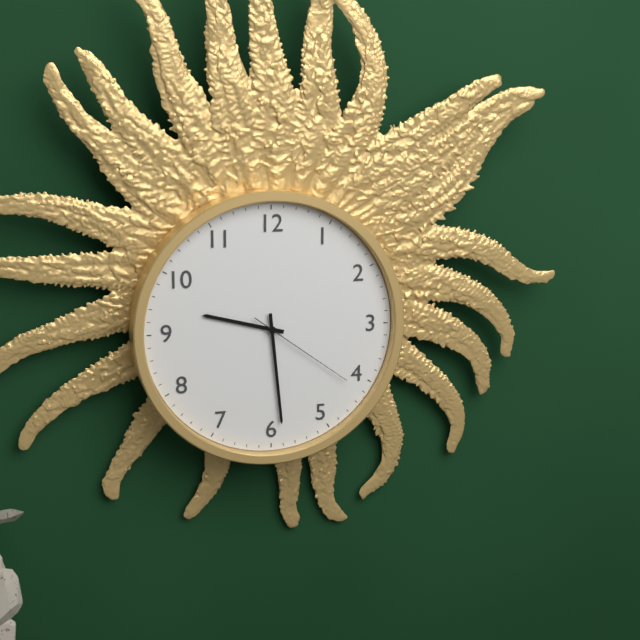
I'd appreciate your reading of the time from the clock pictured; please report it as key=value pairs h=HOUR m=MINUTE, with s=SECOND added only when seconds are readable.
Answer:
h=9 m=29 s=21
